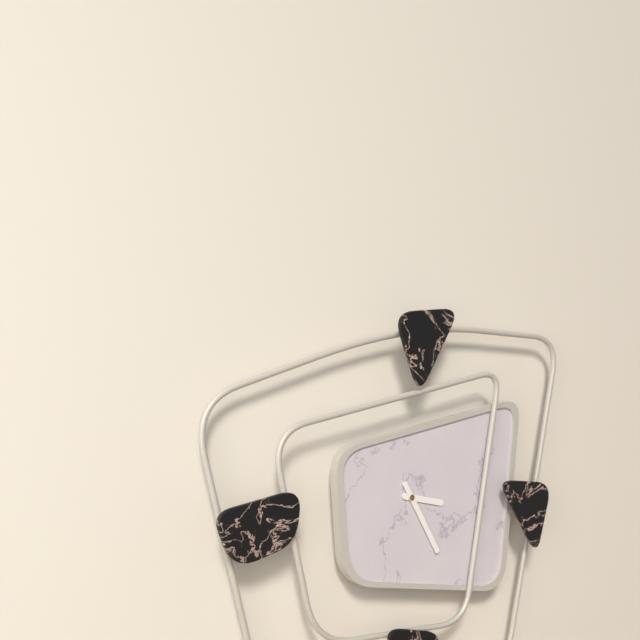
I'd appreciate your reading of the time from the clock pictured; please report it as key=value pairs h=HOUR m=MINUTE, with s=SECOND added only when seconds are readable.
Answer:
h=3 m=25
